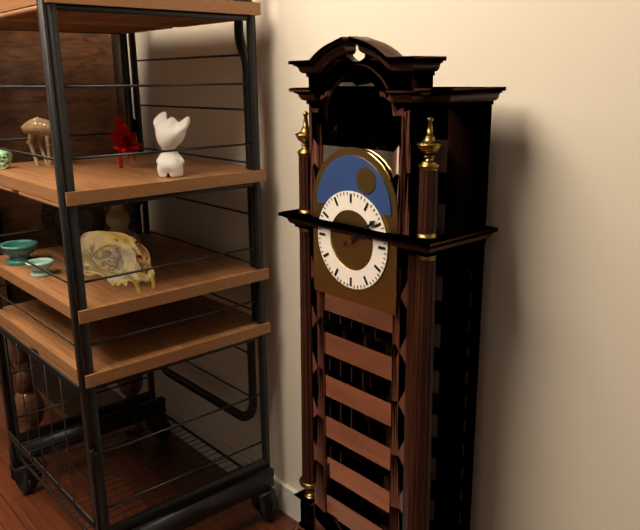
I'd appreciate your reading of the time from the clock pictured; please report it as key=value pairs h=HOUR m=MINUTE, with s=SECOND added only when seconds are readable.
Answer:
h=2 m=9
